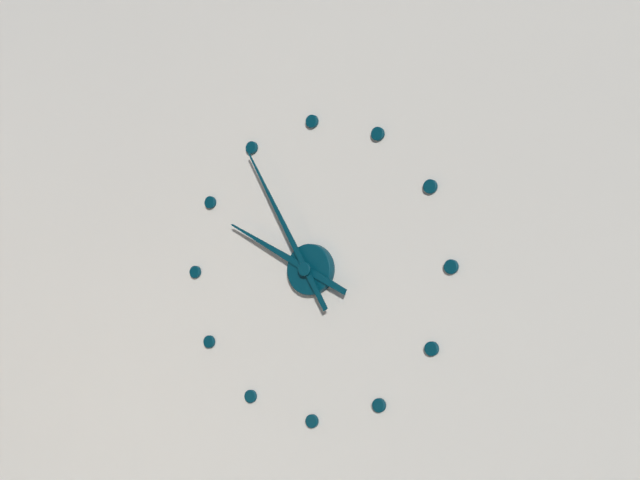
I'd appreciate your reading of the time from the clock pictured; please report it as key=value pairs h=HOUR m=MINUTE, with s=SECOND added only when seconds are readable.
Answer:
h=9 m=55
